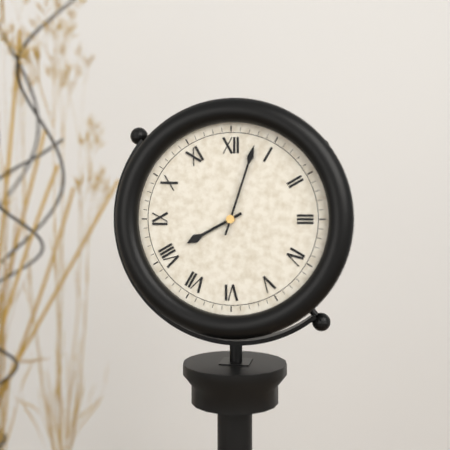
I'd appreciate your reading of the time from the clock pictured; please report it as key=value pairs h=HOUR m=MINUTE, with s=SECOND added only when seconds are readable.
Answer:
h=8 m=3
